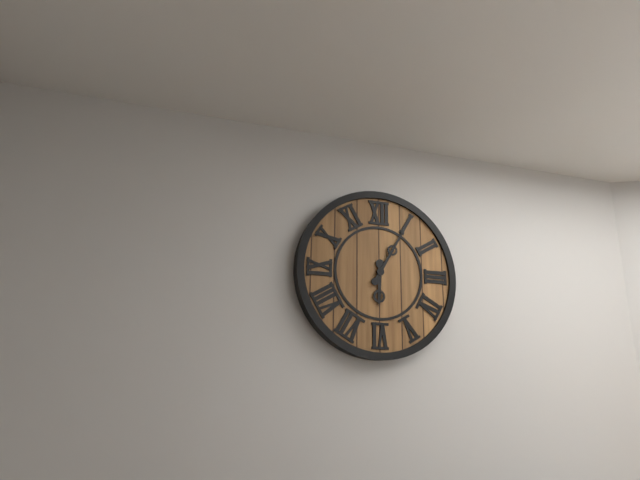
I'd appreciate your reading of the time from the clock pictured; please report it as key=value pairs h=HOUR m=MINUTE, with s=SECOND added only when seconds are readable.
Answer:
h=6 m=5
